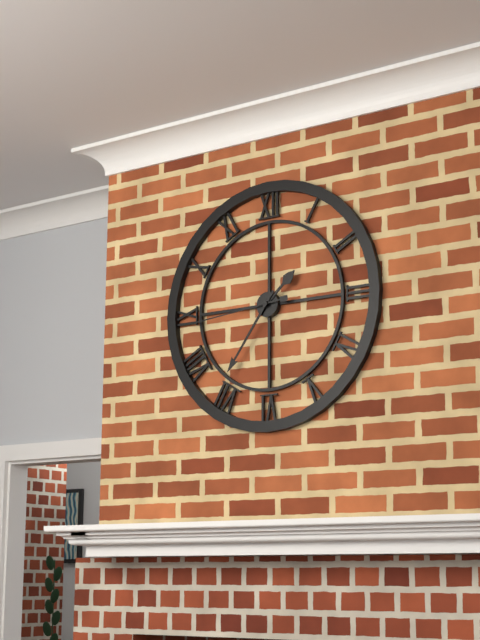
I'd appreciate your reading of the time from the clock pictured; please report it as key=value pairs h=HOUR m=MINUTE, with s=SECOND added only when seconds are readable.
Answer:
h=1 m=36 s=44
